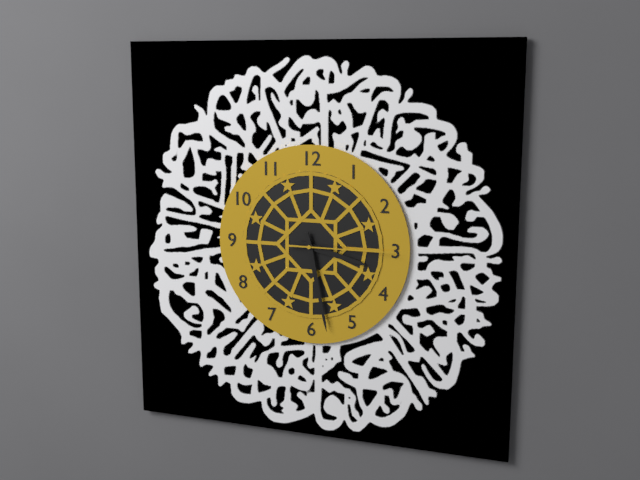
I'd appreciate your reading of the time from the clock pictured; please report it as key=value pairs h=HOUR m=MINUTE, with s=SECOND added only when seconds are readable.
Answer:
h=3 m=28 s=15
